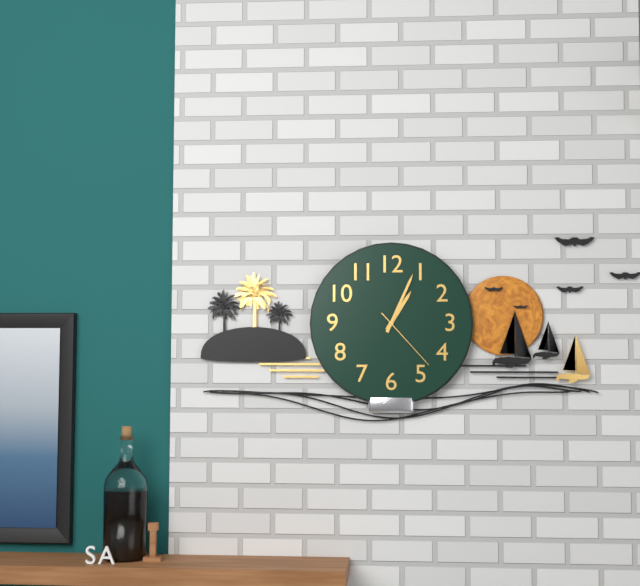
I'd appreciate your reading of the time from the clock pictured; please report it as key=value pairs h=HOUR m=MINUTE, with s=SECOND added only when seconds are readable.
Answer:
h=1 m=4 s=23
